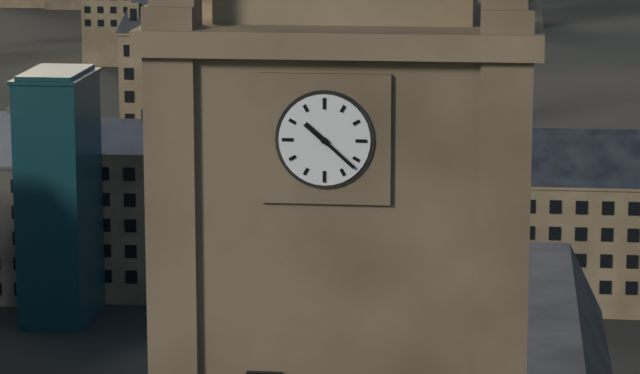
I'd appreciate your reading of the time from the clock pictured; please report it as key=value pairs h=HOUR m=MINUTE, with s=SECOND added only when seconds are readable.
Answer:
h=10 m=22
